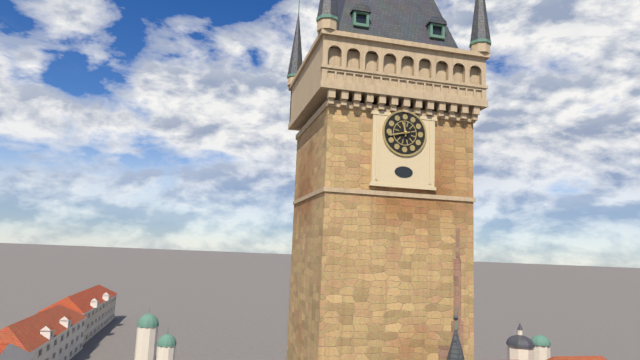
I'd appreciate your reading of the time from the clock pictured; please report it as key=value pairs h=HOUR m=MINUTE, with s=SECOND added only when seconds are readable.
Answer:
h=11 m=43
